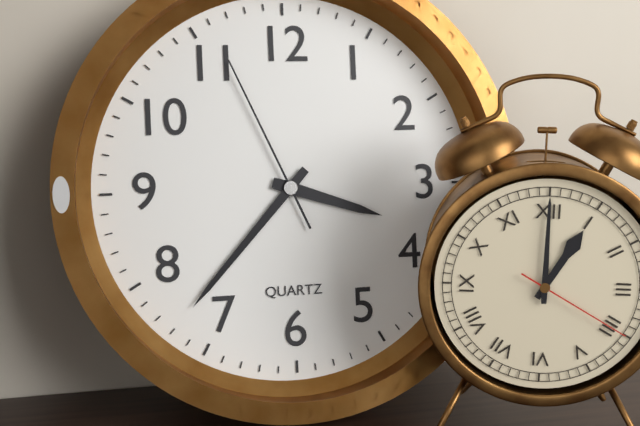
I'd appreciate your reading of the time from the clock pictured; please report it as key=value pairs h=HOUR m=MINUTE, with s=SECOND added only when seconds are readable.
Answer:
h=3 m=37 s=56
